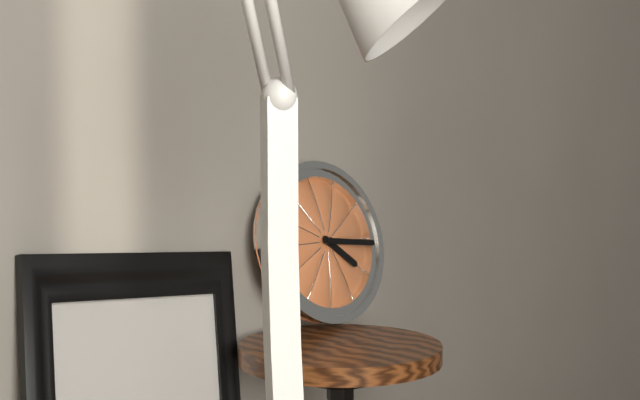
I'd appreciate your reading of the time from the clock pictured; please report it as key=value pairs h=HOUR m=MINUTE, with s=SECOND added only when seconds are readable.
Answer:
h=4 m=16
